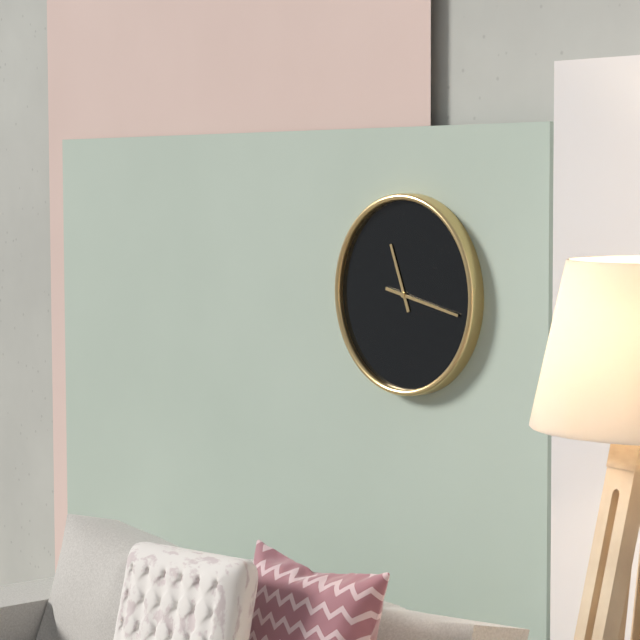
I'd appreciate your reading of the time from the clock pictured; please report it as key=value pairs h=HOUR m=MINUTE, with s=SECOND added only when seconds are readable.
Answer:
h=11 m=17
